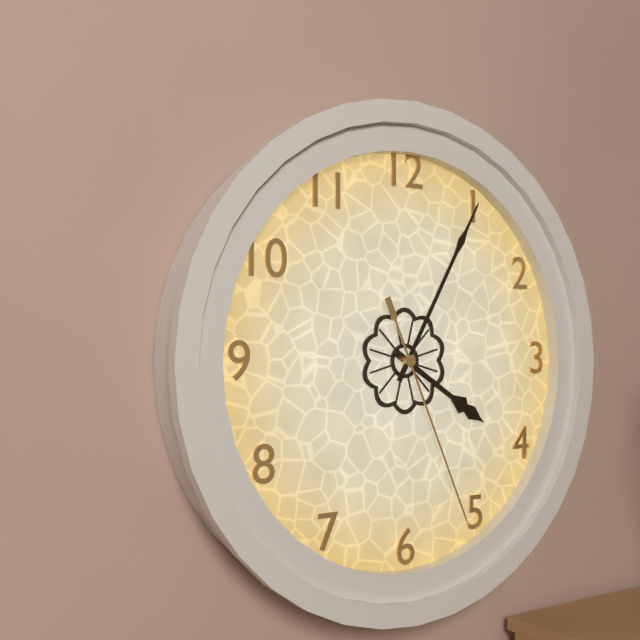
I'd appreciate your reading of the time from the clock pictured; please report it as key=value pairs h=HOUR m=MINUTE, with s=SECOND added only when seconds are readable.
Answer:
h=4 m=5 s=26
